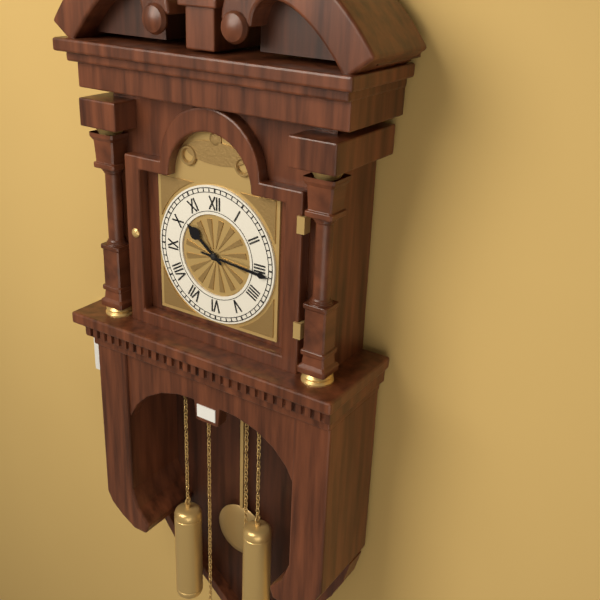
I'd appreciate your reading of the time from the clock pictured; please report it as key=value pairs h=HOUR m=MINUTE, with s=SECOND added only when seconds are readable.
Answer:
h=10 m=16
